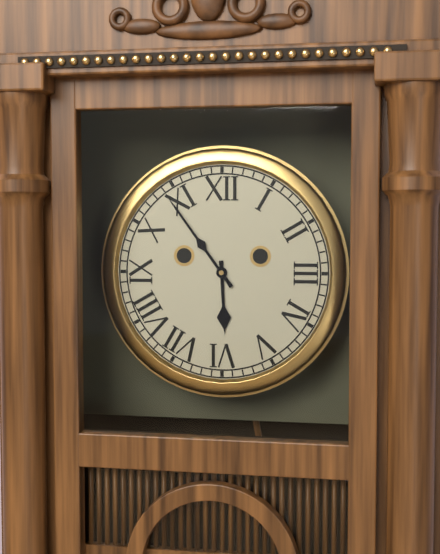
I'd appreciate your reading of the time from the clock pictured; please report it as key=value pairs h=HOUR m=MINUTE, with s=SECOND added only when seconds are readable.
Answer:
h=5 m=54
